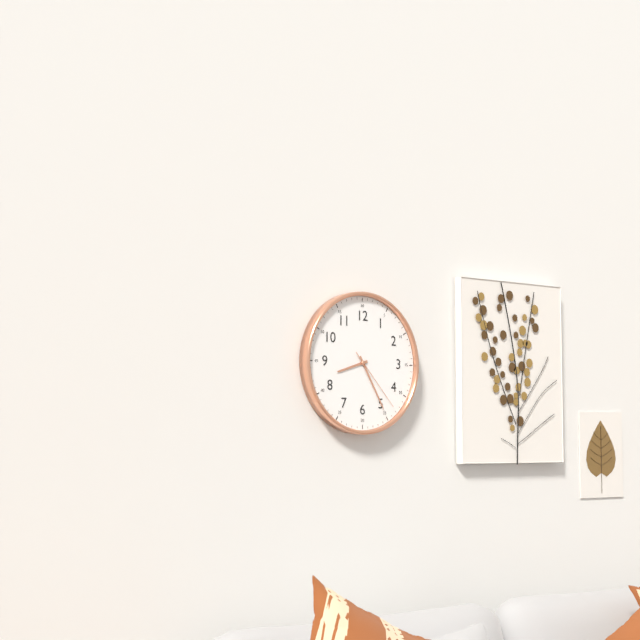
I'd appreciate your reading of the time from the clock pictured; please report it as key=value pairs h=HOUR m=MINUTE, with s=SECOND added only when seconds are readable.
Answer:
h=8 m=25 s=23
